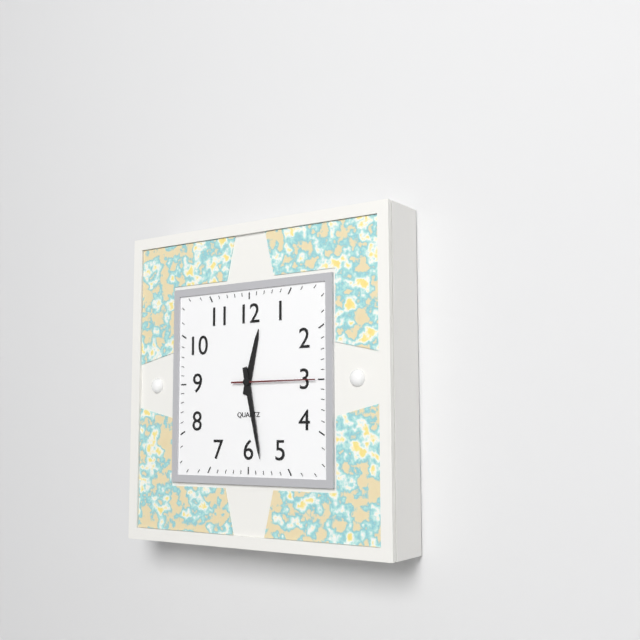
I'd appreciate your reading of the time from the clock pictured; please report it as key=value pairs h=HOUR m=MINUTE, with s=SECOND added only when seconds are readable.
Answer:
h=12 m=28 s=15
